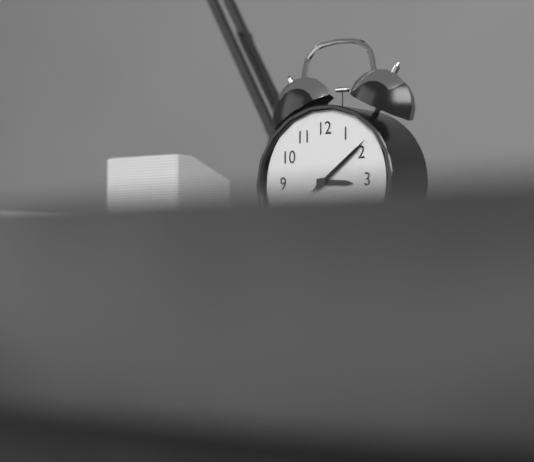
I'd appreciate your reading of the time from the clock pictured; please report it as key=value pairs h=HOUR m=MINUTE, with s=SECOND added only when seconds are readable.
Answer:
h=3 m=9 s=9
